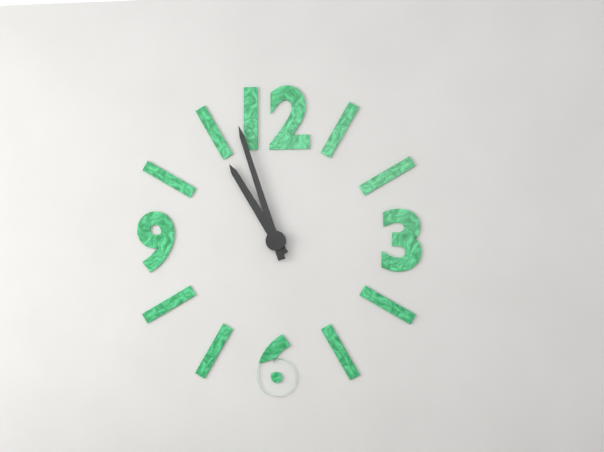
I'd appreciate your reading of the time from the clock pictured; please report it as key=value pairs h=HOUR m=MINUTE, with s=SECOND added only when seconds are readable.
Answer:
h=10 m=57
